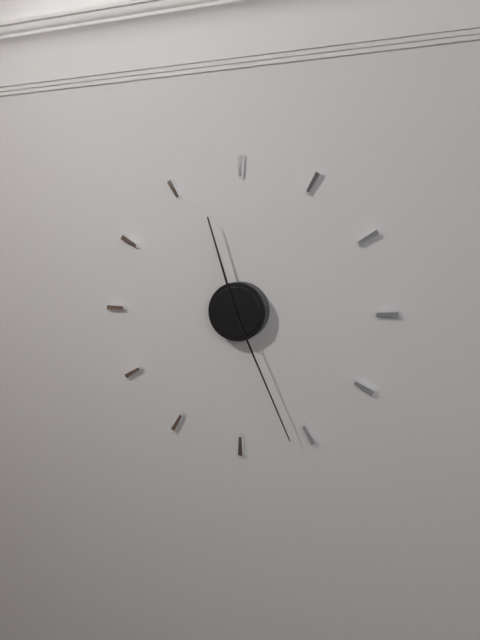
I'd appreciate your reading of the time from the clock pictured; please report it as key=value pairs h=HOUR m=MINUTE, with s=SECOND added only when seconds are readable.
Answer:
h=11 m=26
